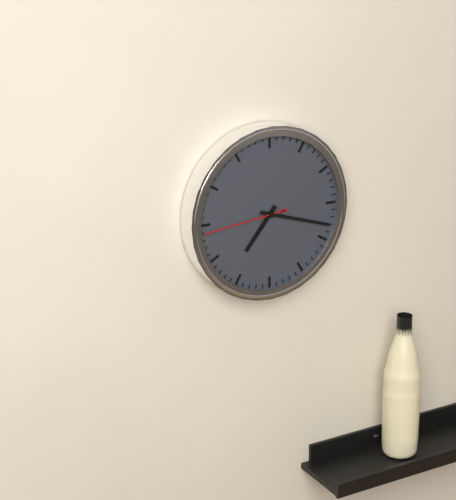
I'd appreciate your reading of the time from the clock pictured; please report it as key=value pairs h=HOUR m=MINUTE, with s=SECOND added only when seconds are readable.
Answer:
h=7 m=18 s=44
